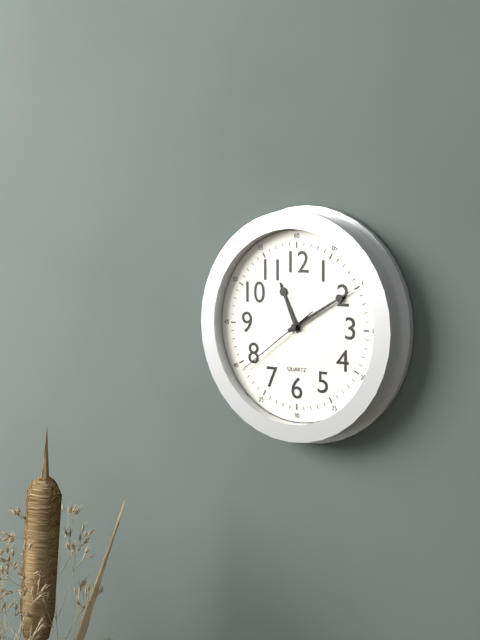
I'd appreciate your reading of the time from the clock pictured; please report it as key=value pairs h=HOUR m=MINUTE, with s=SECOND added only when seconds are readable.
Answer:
h=11 m=10 s=39
